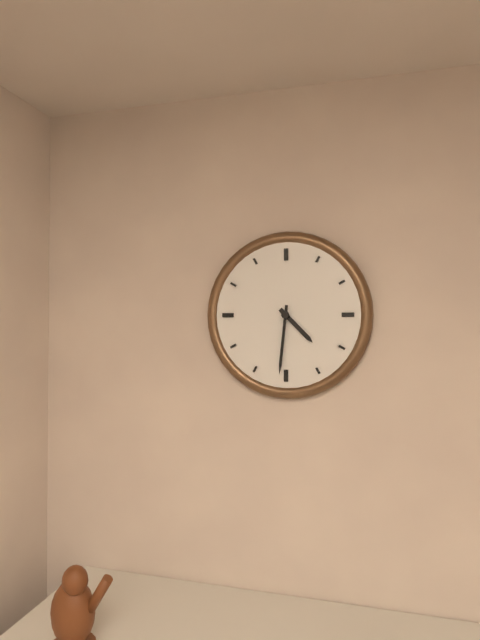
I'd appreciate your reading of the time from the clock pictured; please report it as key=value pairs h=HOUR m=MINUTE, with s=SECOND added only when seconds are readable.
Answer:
h=4 m=31
